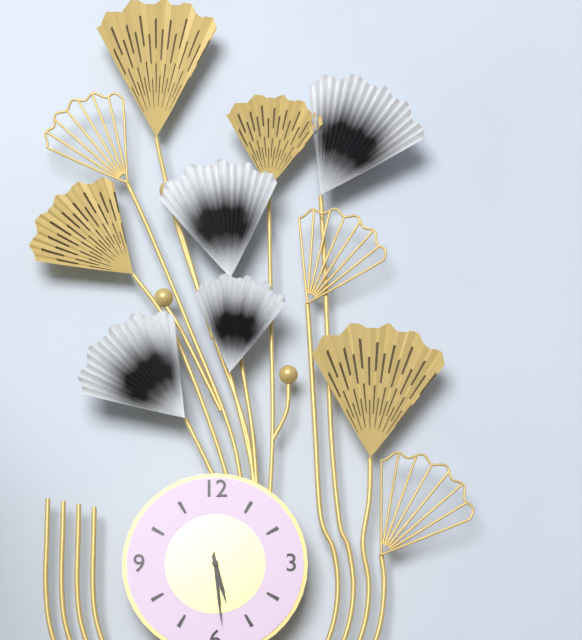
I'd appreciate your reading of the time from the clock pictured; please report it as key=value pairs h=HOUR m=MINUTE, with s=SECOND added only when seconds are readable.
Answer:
h=5 m=29
